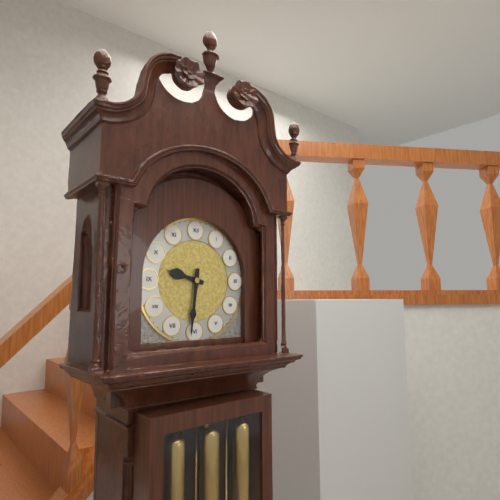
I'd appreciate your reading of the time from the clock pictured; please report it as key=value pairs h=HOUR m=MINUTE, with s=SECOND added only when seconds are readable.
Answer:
h=9 m=31
